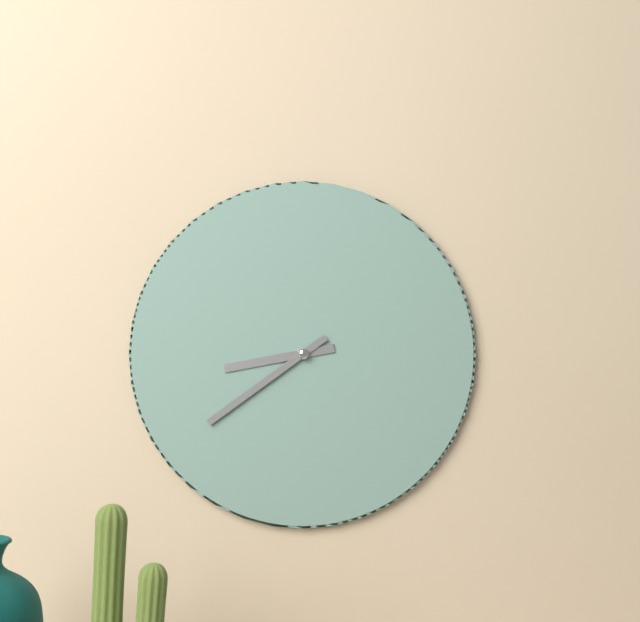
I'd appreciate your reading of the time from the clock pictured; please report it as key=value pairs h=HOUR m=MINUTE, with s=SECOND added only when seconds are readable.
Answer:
h=8 m=39
